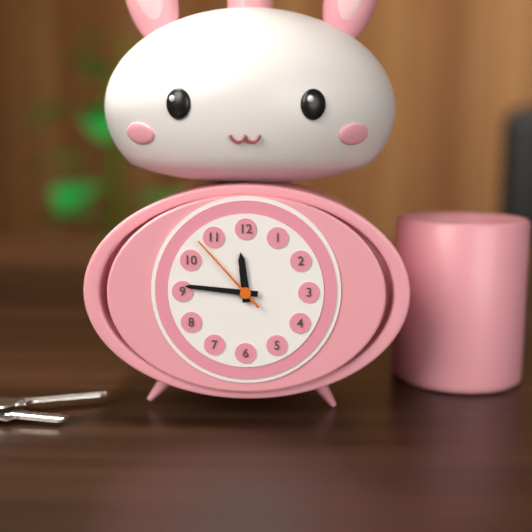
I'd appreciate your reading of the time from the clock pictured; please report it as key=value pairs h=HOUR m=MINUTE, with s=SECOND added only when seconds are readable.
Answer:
h=11 m=46 s=53
